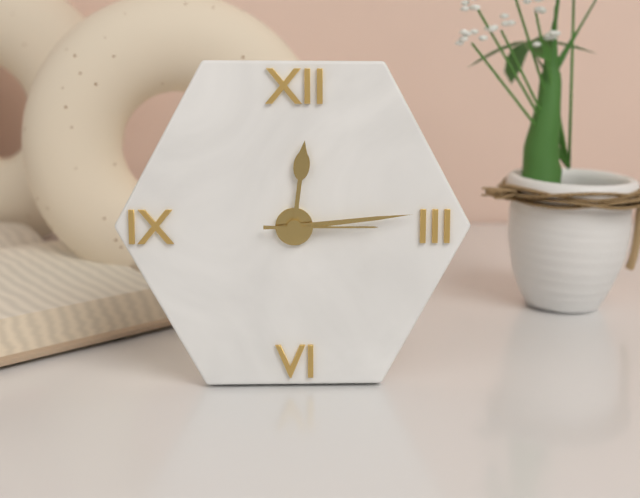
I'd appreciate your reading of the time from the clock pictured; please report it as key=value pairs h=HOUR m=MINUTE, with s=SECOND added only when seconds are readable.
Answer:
h=12 m=14 s=15
